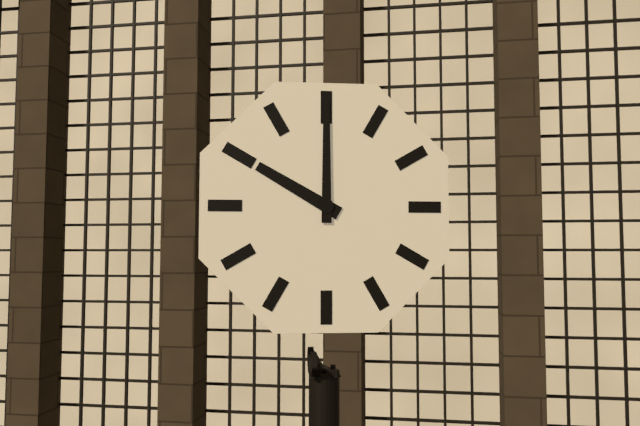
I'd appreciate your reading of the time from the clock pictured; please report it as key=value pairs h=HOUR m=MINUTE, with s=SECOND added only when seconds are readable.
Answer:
h=10 m=0
